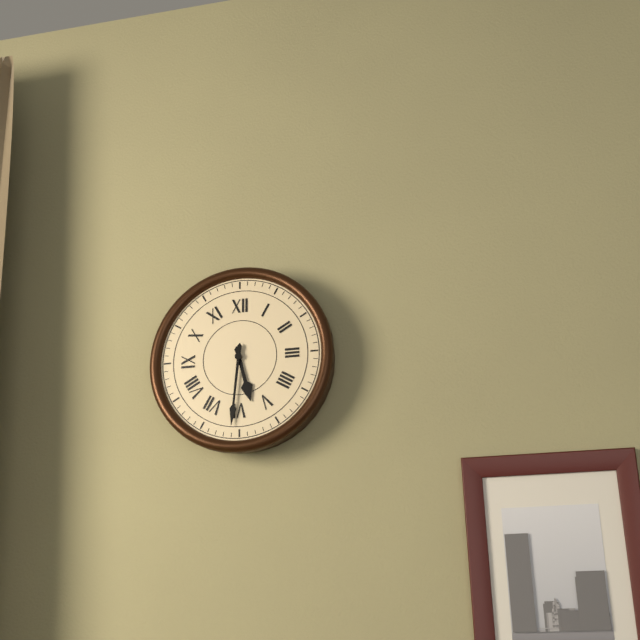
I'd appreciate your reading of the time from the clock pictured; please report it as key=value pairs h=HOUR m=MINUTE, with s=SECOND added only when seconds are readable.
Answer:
h=5 m=31
